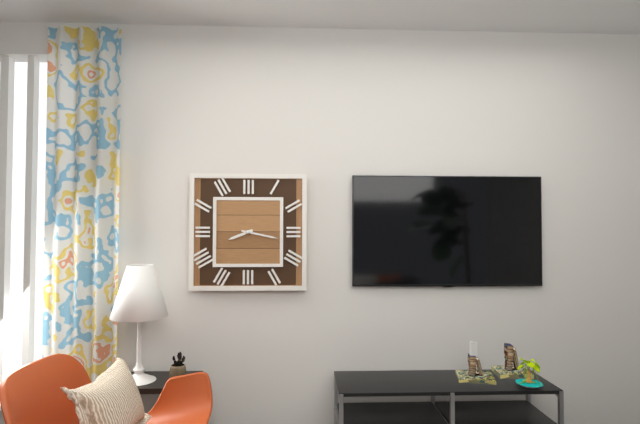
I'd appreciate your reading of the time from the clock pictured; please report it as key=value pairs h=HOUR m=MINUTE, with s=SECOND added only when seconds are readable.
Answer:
h=8 m=17
